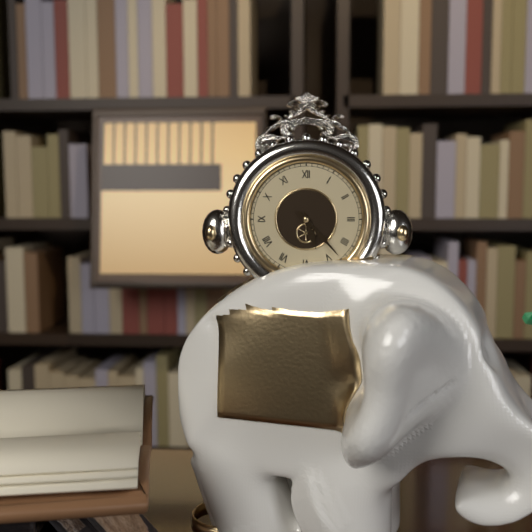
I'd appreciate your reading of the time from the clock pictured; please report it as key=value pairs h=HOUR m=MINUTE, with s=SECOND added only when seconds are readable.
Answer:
h=5 m=23
